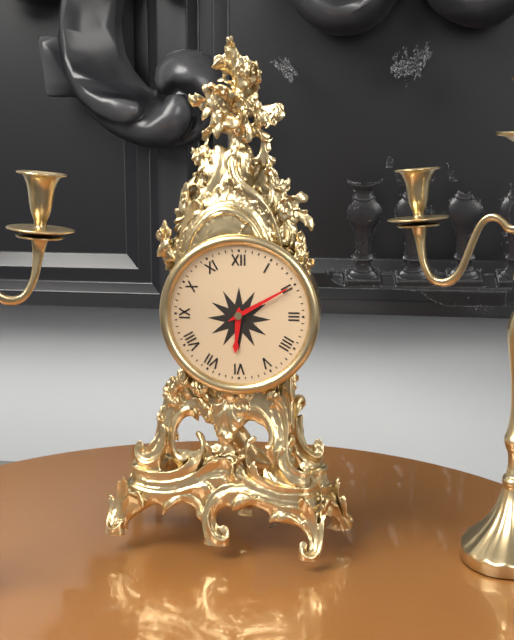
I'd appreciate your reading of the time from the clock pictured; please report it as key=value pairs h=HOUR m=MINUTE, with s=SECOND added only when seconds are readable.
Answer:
h=6 m=10
